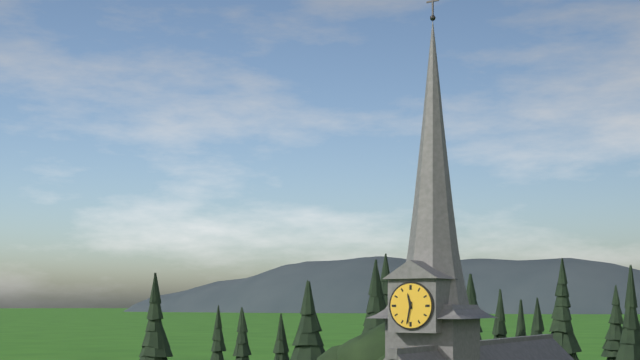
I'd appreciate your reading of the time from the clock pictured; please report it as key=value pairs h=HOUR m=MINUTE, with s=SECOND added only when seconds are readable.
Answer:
h=11 m=32
